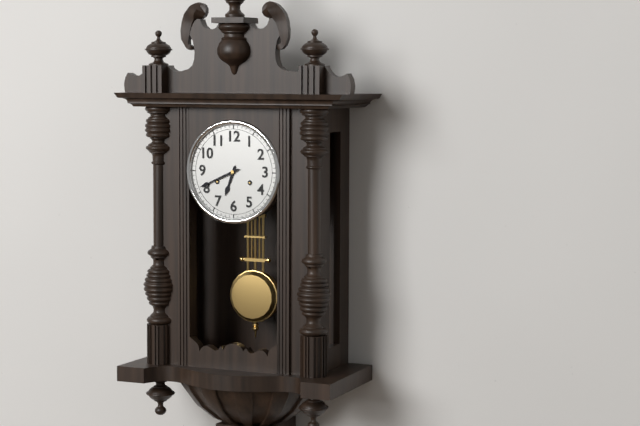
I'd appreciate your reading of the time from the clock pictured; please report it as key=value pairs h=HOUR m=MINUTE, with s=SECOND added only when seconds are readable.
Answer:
h=6 m=41
